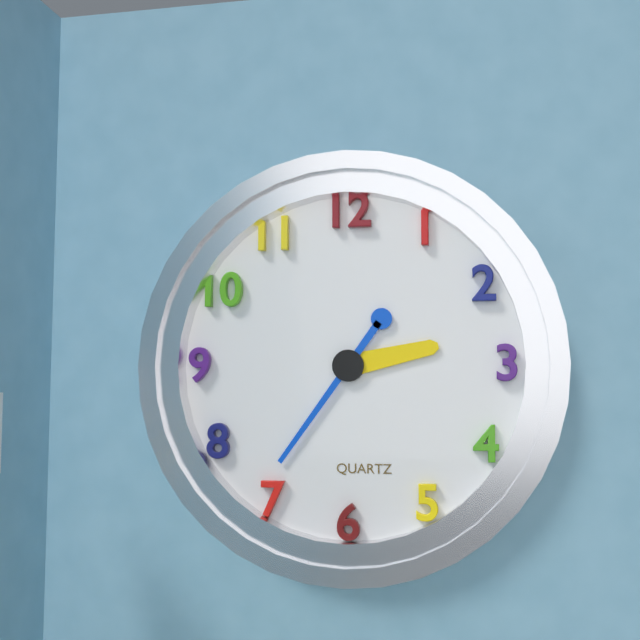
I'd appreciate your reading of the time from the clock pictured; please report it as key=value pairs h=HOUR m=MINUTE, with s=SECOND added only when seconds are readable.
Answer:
h=2 m=36
